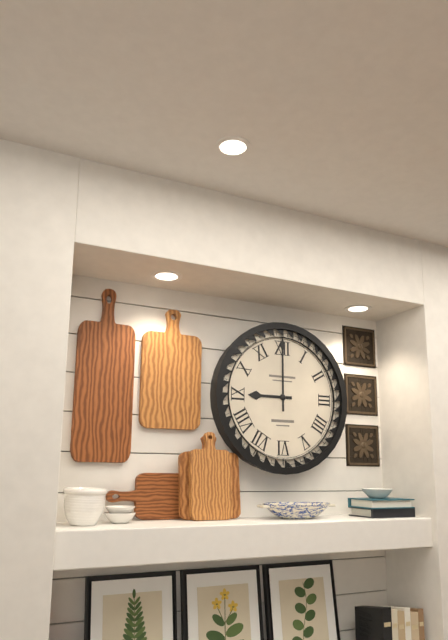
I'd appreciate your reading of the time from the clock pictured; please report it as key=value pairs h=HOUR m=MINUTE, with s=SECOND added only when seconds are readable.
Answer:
h=9 m=0
